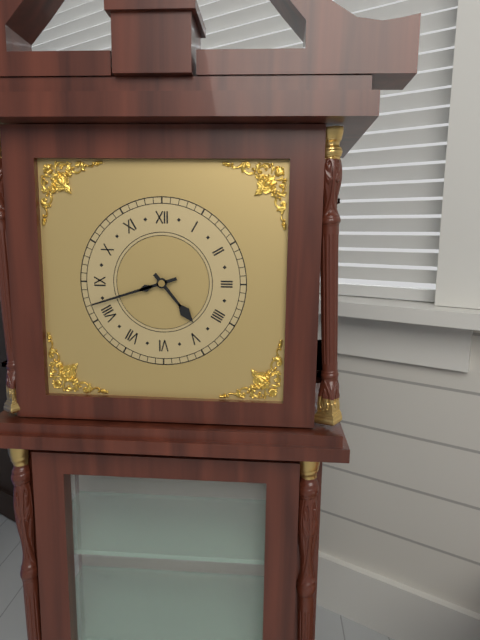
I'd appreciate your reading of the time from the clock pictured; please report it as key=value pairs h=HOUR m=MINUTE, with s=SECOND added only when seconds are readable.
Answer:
h=4 m=42
